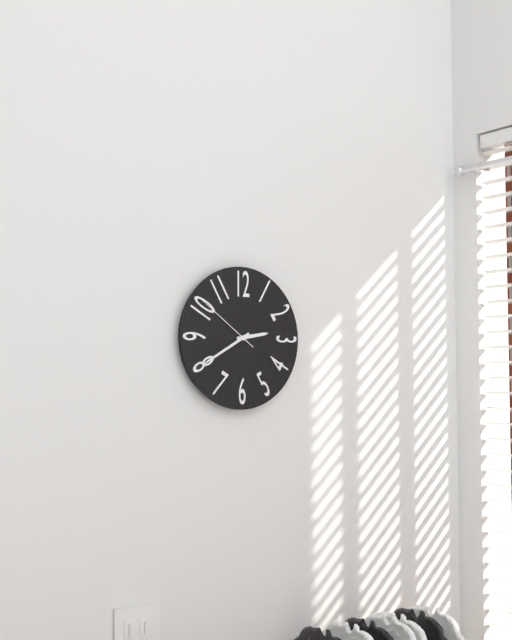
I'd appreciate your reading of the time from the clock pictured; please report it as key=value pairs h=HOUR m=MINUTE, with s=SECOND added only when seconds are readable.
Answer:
h=2 m=40 s=51
